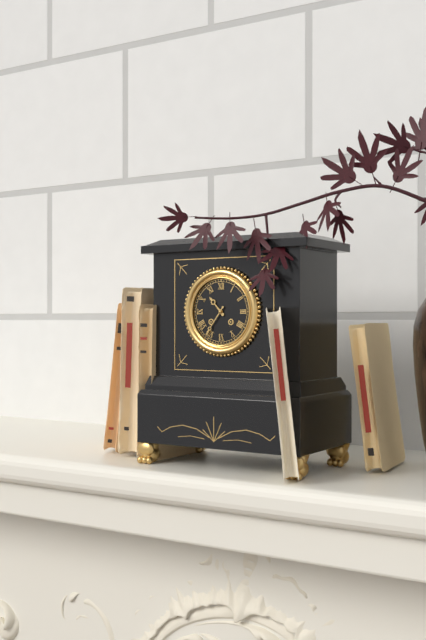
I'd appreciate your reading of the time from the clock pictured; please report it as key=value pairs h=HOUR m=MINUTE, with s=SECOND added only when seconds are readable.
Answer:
h=10 m=36
